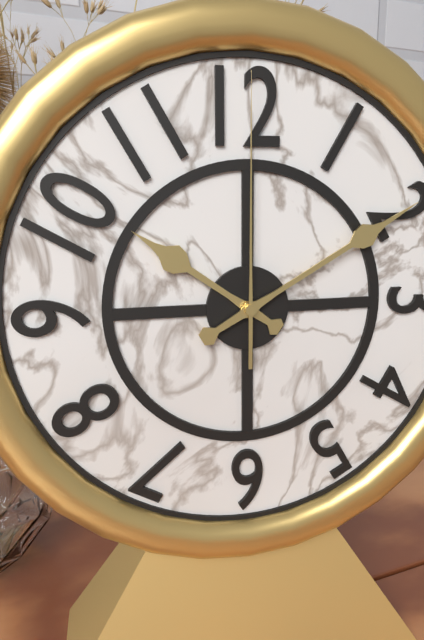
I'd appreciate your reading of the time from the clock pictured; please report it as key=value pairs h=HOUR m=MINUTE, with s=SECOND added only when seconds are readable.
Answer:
h=10 m=10 s=0
